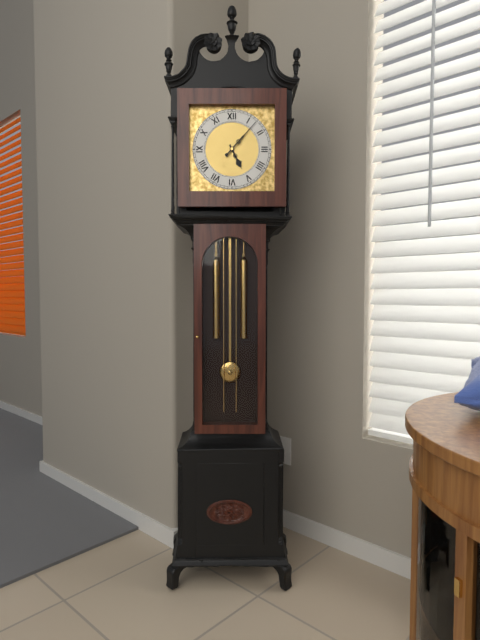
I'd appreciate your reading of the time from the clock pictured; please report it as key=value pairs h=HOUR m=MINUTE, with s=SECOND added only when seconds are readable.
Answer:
h=5 m=7
